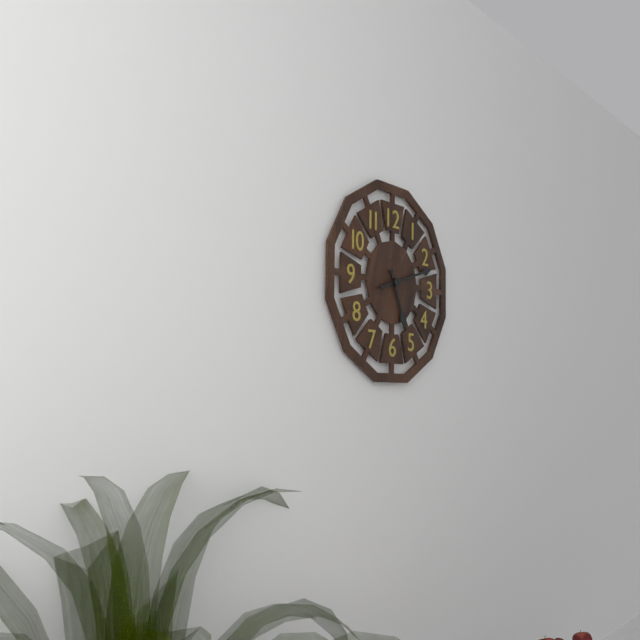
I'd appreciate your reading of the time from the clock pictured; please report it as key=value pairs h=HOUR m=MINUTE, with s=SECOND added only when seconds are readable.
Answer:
h=5 m=12
